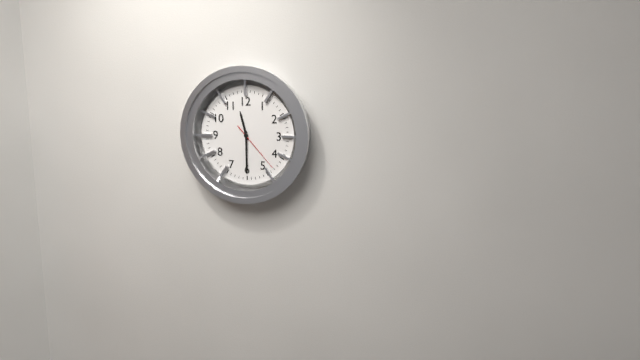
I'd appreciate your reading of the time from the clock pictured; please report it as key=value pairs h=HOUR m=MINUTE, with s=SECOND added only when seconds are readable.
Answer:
h=11 m=30 s=23
